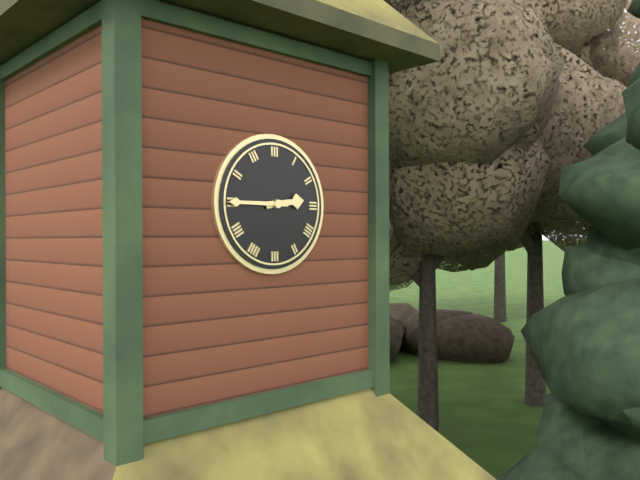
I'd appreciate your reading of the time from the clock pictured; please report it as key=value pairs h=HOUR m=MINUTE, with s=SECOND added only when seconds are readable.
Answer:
h=2 m=45
